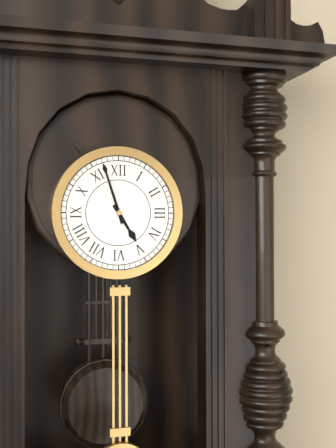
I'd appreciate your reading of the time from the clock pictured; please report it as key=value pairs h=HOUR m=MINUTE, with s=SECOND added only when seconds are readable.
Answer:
h=4 m=57
